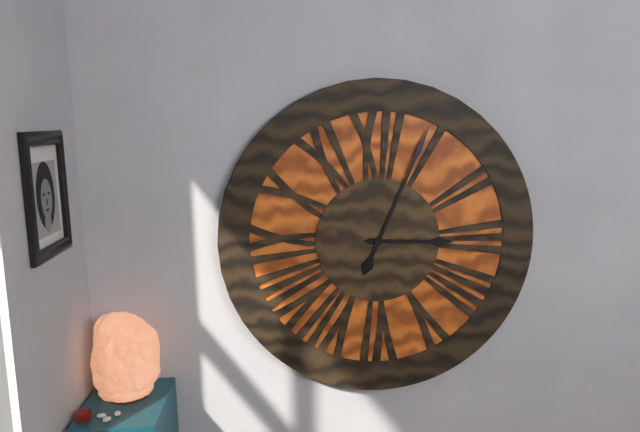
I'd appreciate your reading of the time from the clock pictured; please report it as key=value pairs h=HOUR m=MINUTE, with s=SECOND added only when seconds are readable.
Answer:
h=3 m=4
